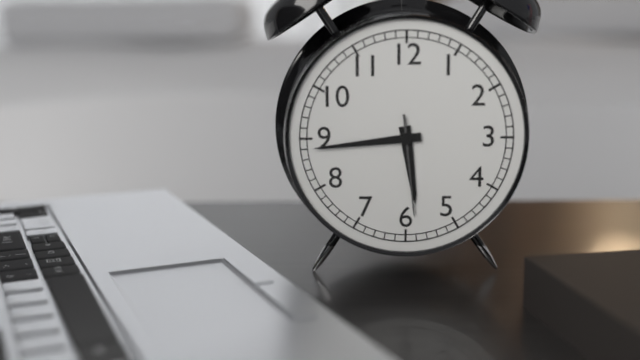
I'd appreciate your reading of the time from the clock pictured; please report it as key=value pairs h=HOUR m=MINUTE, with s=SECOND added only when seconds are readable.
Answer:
h=5 m=44 s=29
